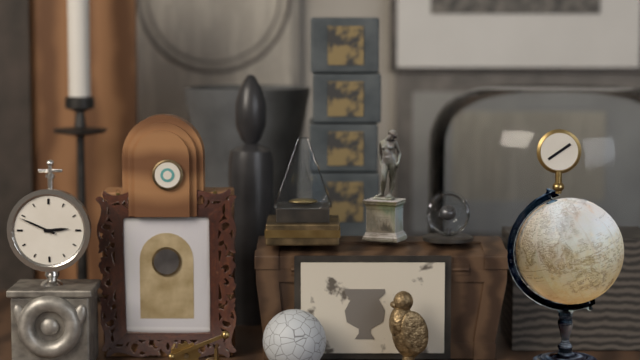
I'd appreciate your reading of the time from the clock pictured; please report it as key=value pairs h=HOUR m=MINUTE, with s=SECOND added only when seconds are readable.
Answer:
h=2 m=49
